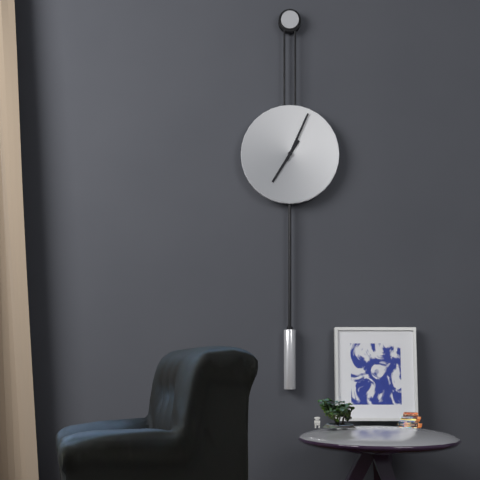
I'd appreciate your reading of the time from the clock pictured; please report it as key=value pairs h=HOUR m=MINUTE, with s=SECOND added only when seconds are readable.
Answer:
h=7 m=4
